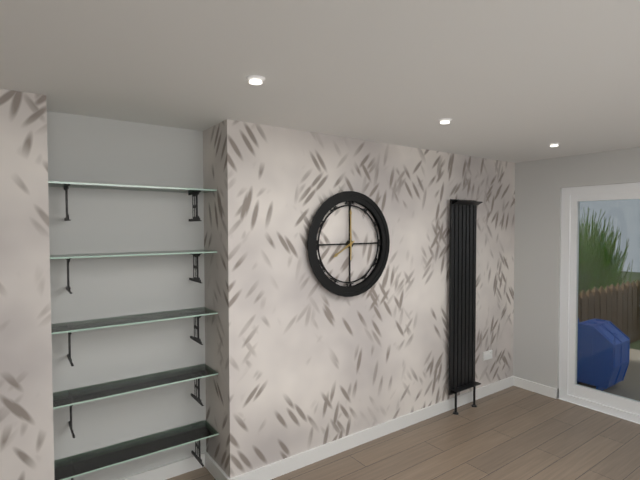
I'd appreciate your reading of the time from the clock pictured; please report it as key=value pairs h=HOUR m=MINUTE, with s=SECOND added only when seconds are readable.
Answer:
h=8 m=0
